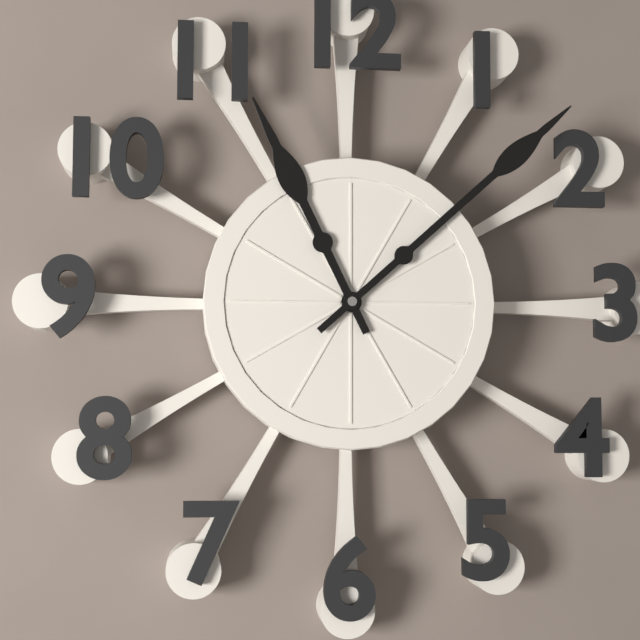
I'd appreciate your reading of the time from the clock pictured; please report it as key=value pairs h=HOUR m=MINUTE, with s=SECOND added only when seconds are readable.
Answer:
h=11 m=8
